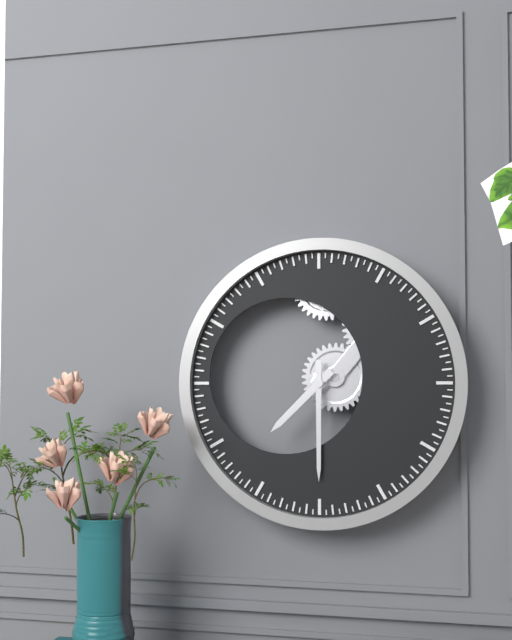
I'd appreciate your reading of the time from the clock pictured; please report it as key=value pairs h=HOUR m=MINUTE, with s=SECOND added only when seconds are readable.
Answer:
h=7 m=30
